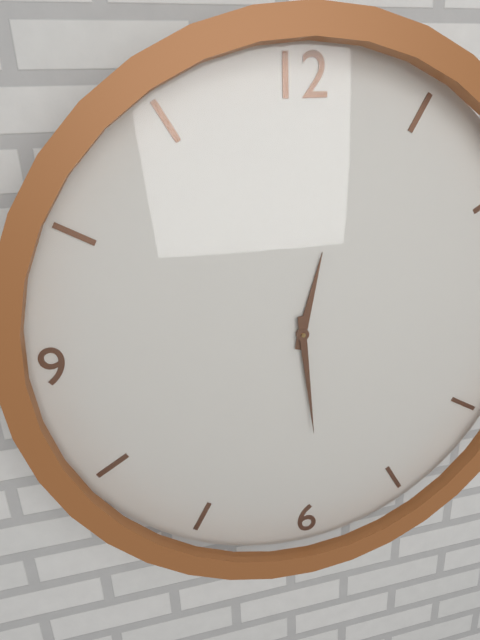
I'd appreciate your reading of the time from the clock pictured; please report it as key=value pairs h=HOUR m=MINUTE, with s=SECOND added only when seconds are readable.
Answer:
h=12 m=29
